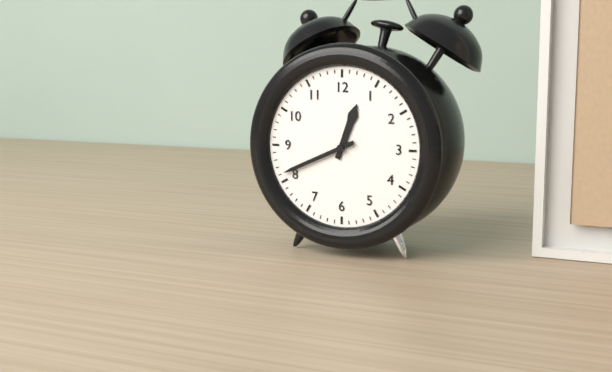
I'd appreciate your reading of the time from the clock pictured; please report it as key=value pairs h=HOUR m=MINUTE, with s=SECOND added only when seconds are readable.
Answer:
h=12 m=41
